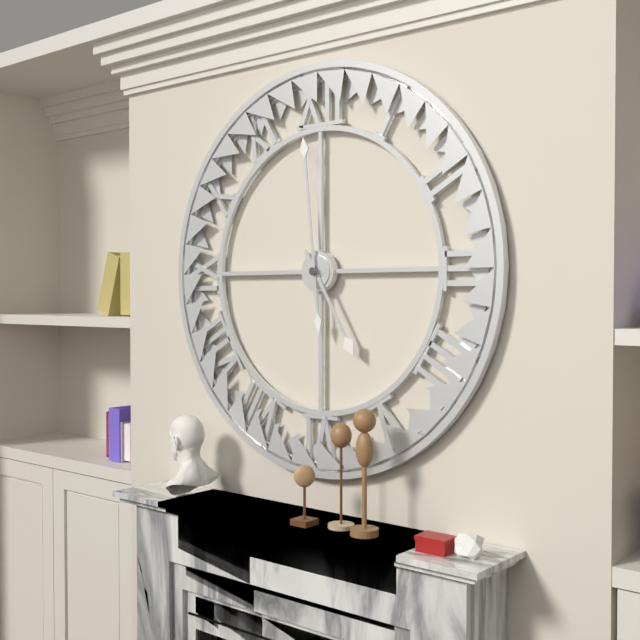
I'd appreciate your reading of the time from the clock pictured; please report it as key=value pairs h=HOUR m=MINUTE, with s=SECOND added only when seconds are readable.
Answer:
h=4 m=59
